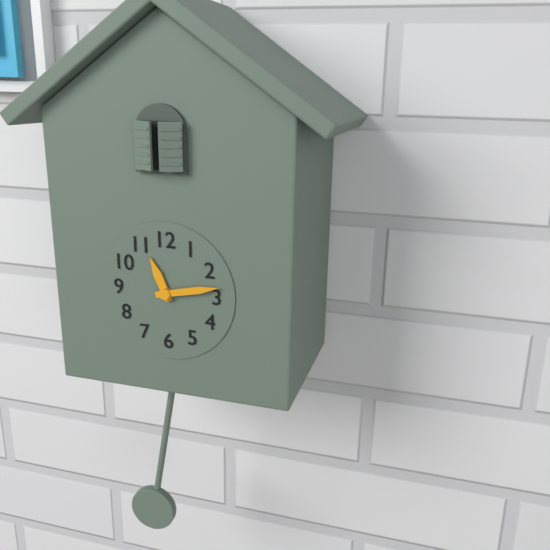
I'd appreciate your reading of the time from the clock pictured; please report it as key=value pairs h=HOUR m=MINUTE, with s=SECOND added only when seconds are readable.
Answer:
h=11 m=13
